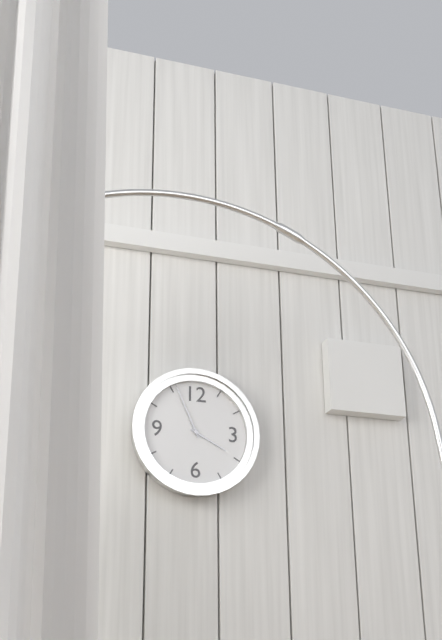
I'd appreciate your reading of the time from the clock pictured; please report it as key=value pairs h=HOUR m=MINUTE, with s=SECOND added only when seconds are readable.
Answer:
h=3 m=56
